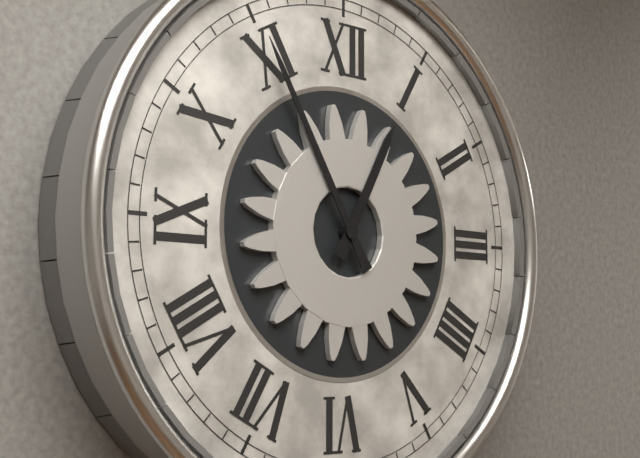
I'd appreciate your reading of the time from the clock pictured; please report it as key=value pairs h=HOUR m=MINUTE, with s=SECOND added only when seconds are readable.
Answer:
h=12 m=55
